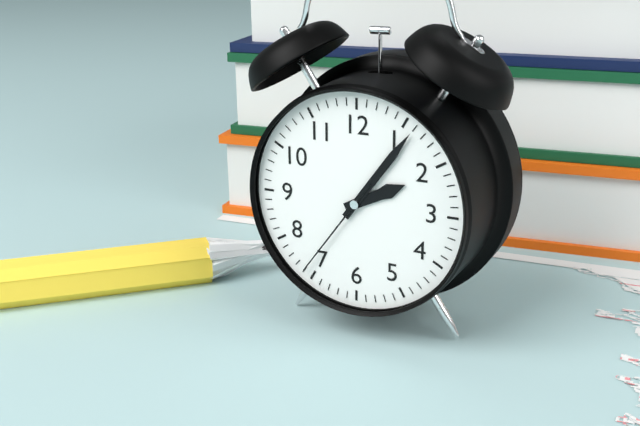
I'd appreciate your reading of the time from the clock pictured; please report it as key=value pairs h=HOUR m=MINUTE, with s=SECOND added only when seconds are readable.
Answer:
h=2 m=6 s=36
